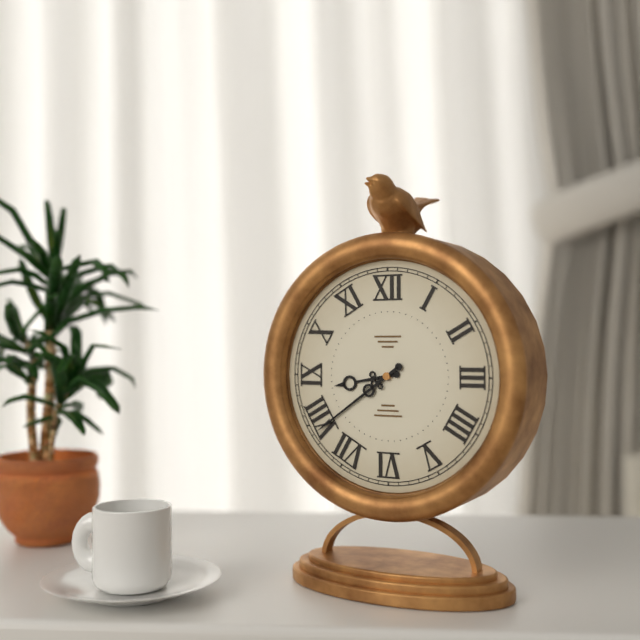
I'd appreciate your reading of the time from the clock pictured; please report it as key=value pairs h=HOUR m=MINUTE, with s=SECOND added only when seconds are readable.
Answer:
h=8 m=39
